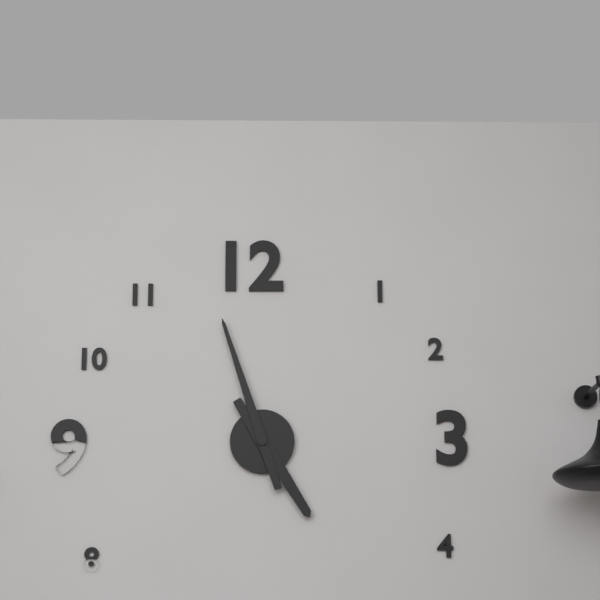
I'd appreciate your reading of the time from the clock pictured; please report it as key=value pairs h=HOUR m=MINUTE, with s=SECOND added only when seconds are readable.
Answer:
h=4 m=57
